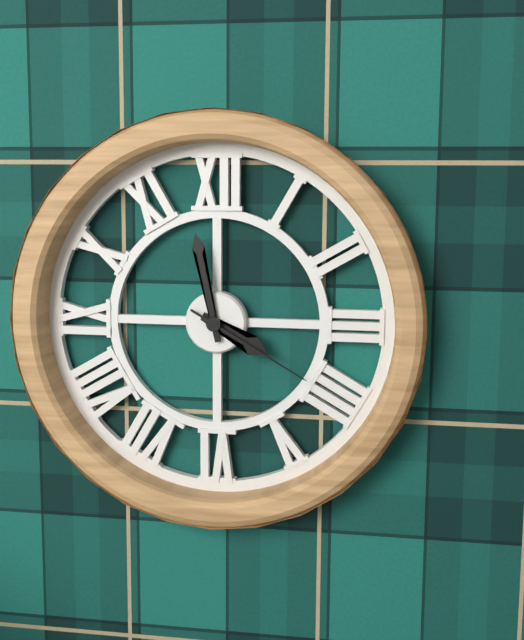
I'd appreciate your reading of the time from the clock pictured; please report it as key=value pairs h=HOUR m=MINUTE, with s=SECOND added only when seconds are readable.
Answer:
h=3 m=58 s=20
